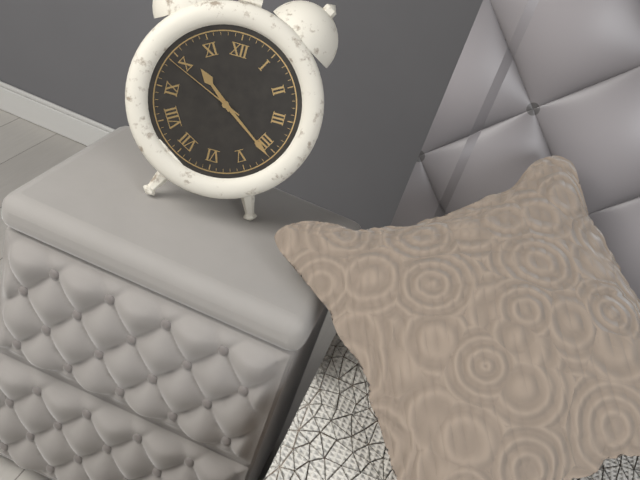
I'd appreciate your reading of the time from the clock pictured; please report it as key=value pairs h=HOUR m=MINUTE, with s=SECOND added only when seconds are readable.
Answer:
h=10 m=21 s=49
